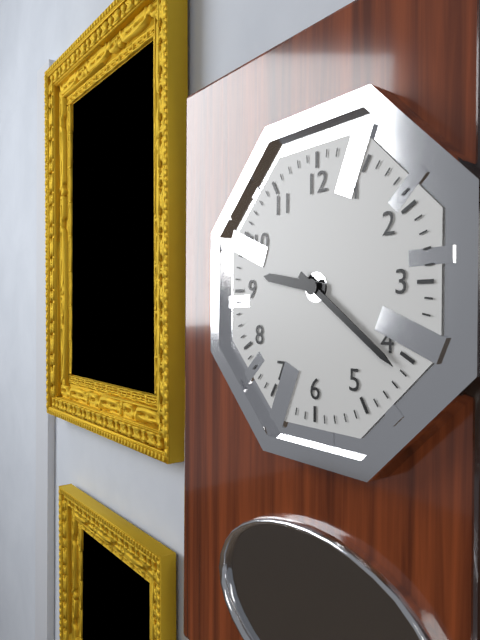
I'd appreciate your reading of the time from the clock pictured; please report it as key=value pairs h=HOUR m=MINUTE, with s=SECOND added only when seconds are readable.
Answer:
h=9 m=21
